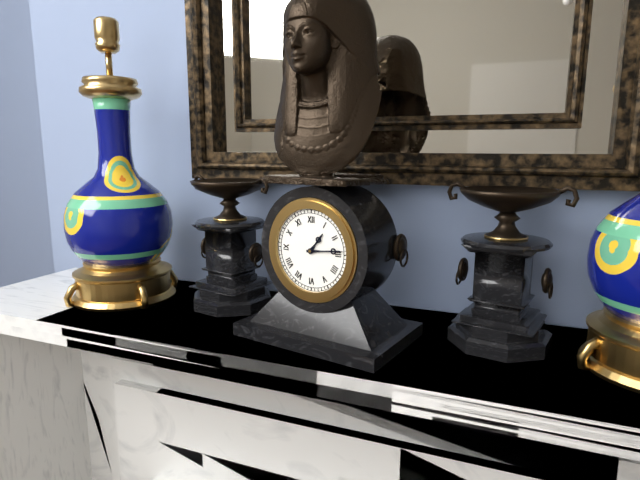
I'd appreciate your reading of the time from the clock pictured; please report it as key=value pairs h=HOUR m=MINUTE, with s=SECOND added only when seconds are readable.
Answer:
h=1 m=14
